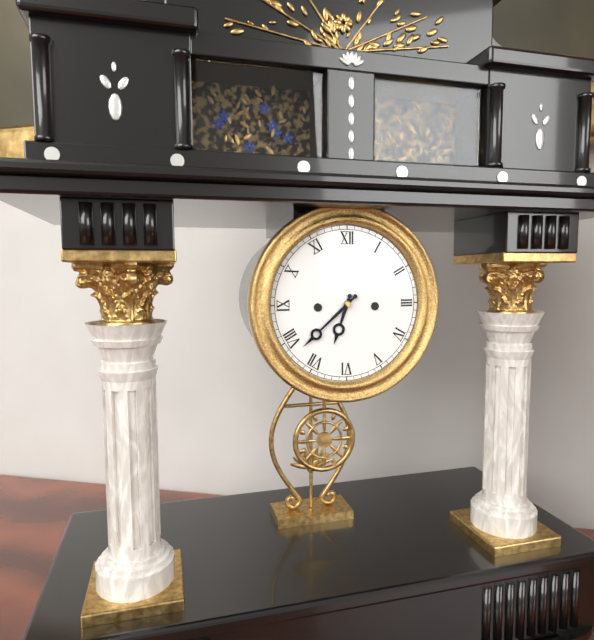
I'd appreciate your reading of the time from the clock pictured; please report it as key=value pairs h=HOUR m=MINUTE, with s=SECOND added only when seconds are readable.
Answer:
h=6 m=38
